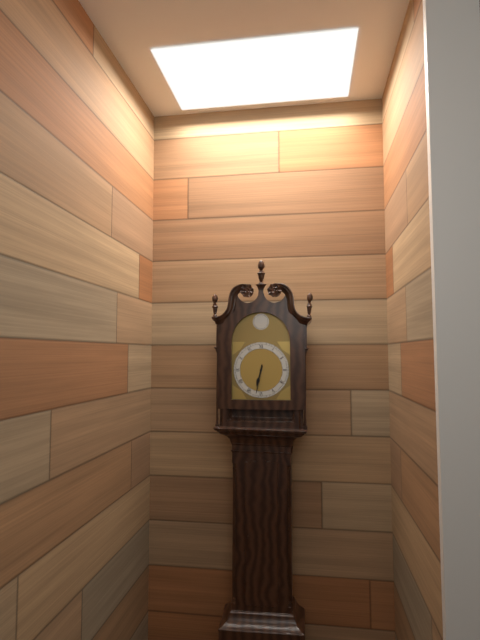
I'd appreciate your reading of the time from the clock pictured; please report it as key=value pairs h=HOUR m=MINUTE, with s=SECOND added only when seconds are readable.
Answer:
h=6 m=32
